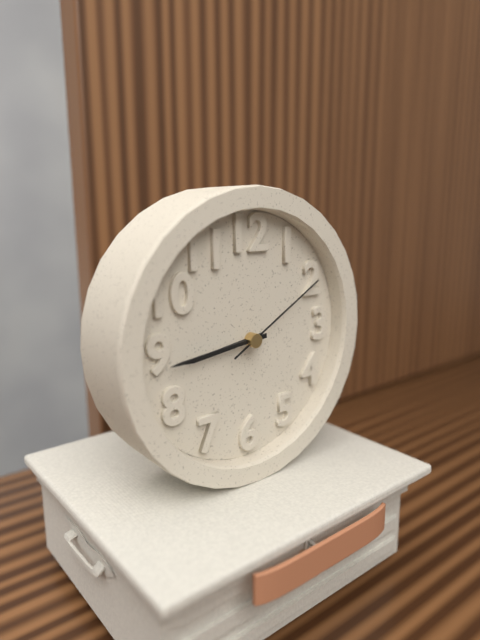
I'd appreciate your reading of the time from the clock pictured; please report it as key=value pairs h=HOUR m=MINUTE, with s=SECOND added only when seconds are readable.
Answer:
h=8 m=44 s=10
